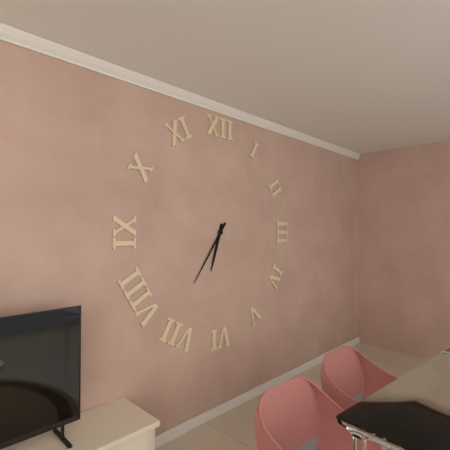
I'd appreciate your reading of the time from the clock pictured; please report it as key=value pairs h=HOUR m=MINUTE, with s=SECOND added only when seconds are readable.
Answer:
h=6 m=36
